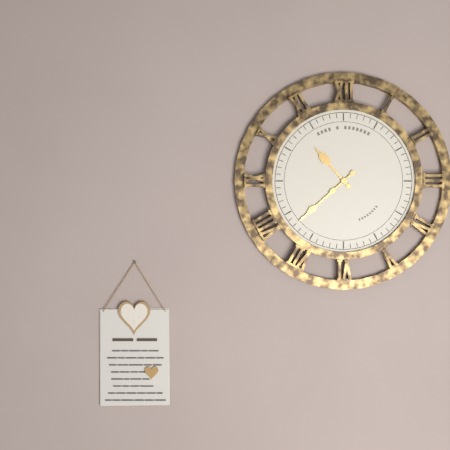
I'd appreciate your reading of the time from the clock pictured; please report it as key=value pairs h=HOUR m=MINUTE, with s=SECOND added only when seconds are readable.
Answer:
h=10 m=38
